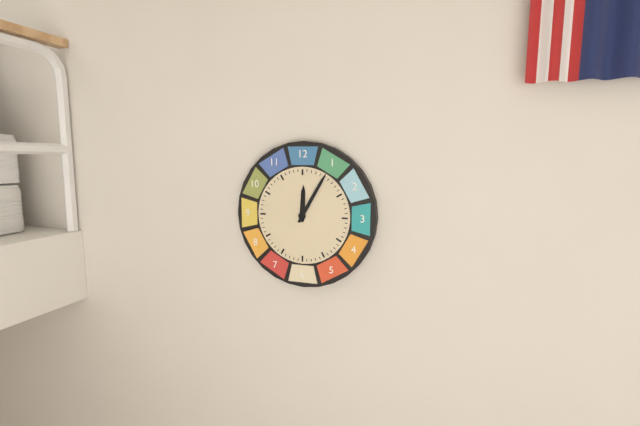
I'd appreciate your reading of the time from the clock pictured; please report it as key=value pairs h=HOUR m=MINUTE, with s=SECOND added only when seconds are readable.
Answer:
h=12 m=5
